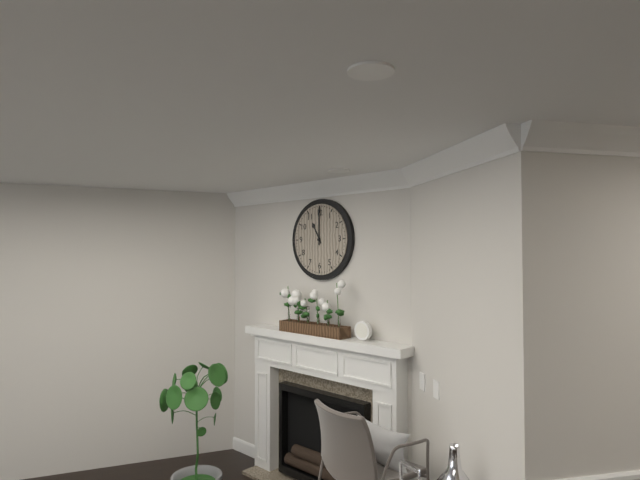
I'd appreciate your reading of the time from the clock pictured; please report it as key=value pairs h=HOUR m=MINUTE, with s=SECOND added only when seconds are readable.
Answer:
h=11 m=0
